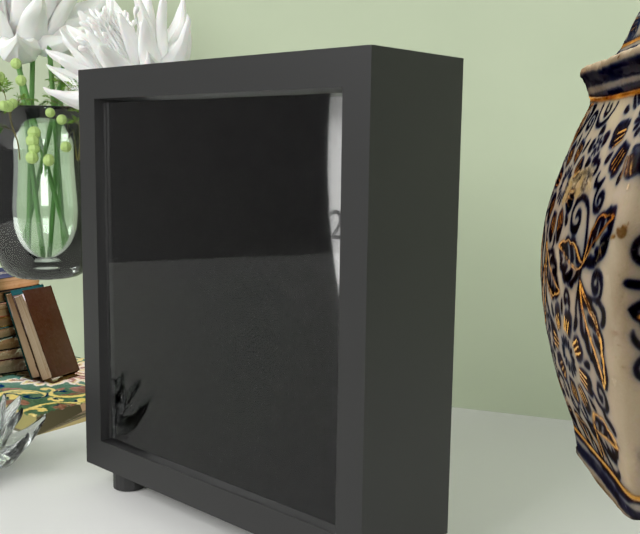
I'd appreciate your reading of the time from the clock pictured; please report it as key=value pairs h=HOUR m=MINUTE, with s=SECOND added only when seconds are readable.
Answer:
h=9 m=7
